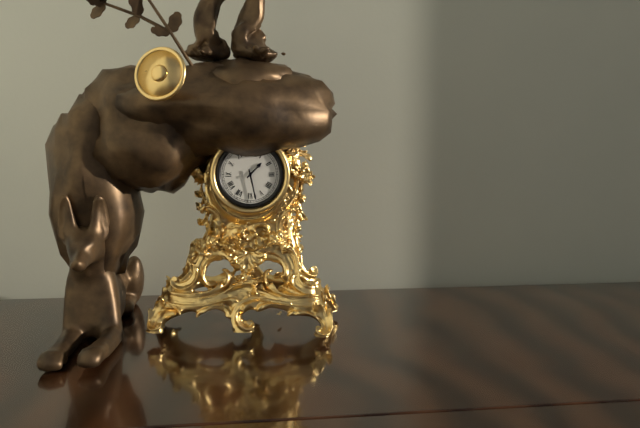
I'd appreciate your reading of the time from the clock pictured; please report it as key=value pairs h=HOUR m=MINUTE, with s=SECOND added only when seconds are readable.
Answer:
h=1 m=28
